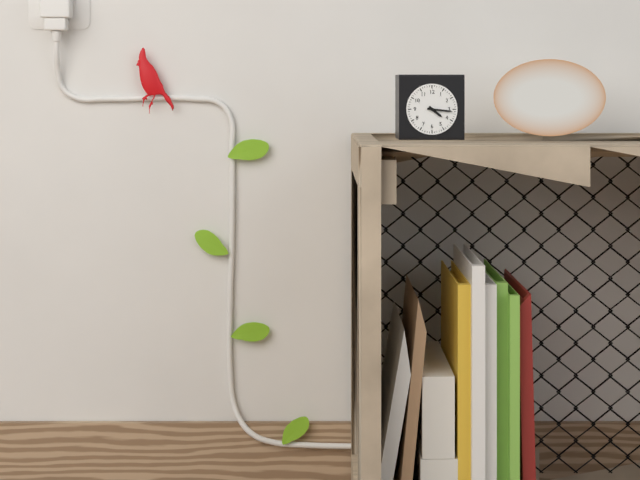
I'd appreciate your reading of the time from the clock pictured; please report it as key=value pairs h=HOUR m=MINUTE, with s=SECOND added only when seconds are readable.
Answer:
h=4 m=16
